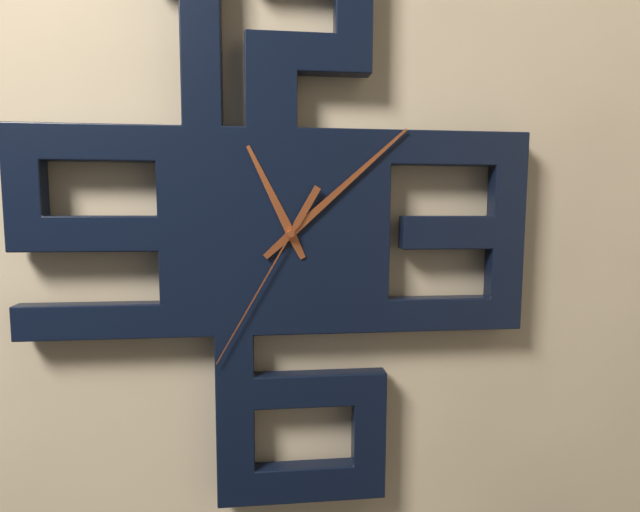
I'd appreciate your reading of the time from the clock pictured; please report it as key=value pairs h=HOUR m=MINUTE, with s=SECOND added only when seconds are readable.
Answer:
h=11 m=8 s=35
